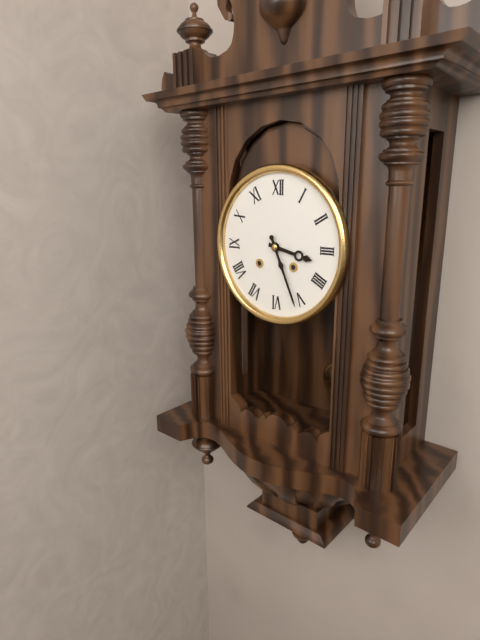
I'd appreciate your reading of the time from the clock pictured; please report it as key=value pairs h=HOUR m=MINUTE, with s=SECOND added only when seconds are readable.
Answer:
h=3 m=26
